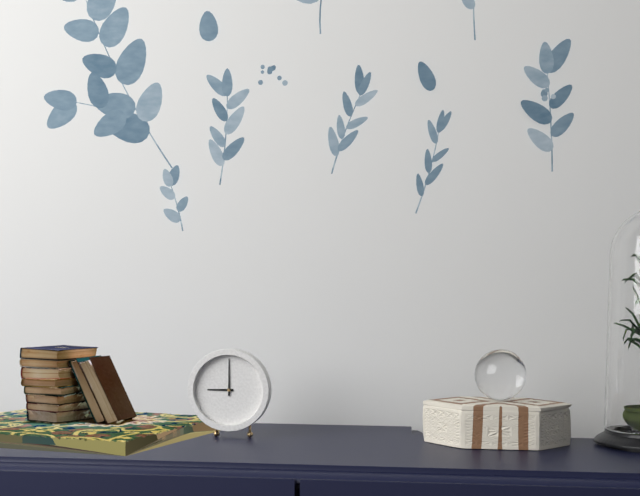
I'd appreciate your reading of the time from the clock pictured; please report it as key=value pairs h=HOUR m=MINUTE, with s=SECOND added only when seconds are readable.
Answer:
h=9 m=0
